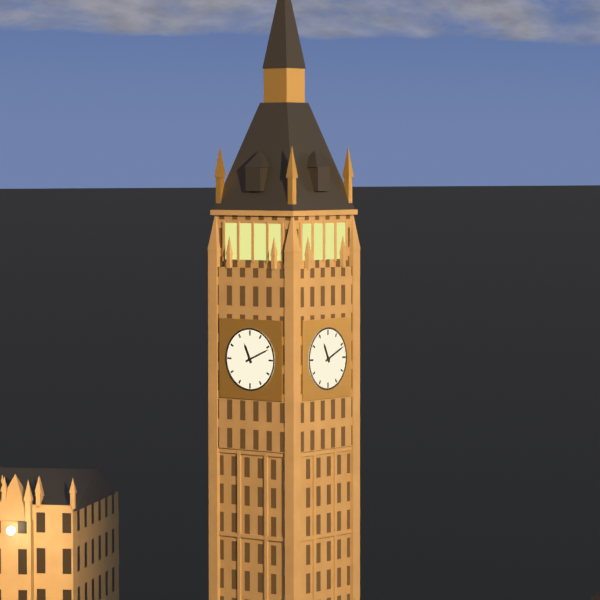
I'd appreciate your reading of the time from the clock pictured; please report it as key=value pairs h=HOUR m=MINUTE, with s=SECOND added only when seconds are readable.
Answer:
h=11 m=11
